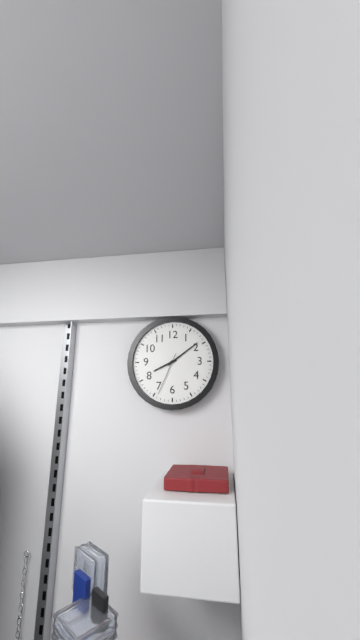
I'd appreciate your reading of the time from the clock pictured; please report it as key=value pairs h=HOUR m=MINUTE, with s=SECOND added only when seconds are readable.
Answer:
h=8 m=9
